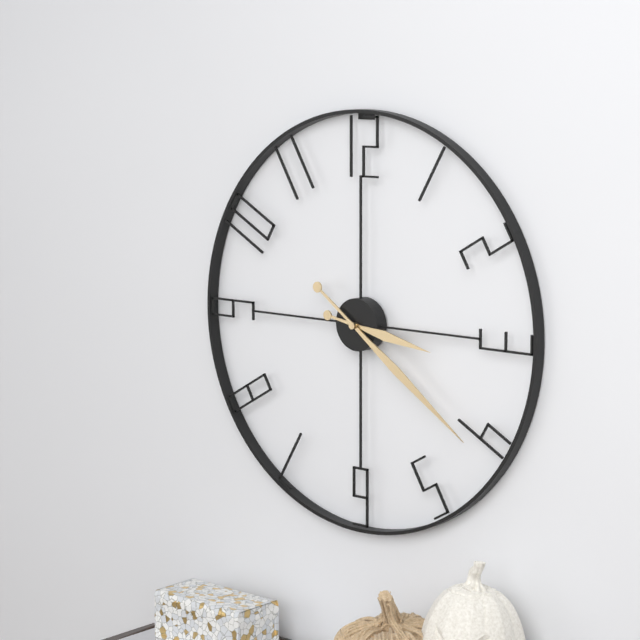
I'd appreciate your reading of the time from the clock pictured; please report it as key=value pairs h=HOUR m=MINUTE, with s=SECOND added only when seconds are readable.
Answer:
h=3 m=21
